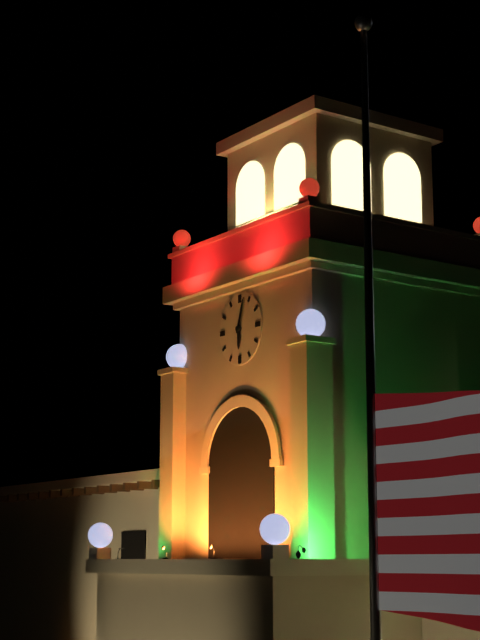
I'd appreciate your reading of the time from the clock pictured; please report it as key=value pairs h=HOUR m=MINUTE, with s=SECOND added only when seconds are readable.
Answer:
h=6 m=3
